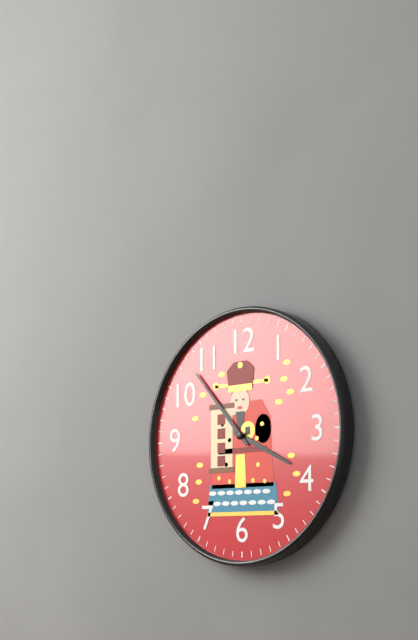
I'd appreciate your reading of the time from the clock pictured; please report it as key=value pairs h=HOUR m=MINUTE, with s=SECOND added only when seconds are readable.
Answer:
h=3 m=53
